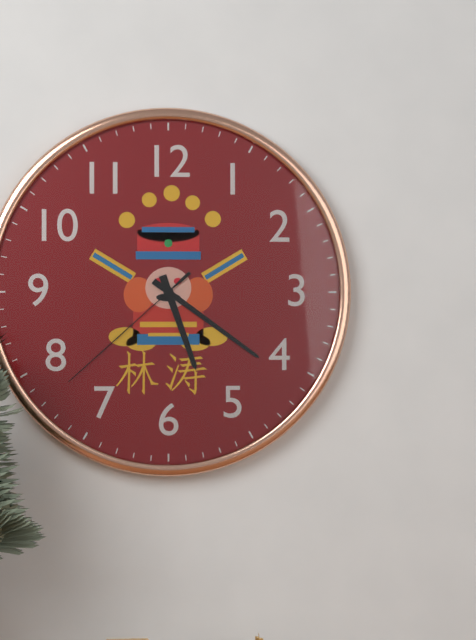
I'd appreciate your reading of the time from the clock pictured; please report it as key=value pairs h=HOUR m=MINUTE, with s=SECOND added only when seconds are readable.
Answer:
h=5 m=21 s=38
